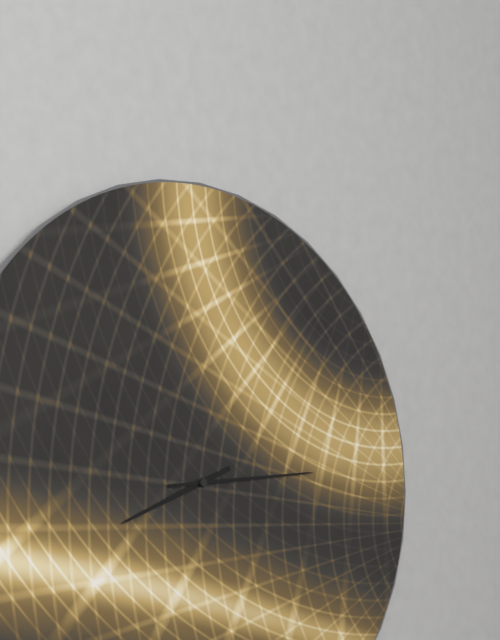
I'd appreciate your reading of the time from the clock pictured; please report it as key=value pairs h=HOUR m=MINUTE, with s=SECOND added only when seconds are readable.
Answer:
h=8 m=14
